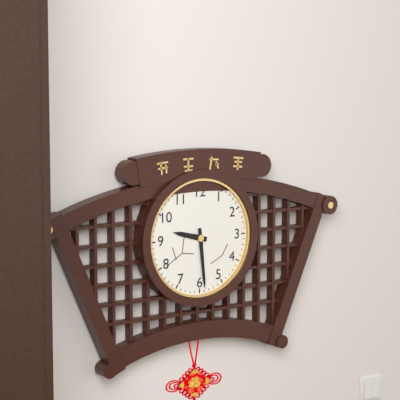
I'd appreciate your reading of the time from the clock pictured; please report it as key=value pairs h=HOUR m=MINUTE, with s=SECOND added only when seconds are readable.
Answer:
h=9 m=29
